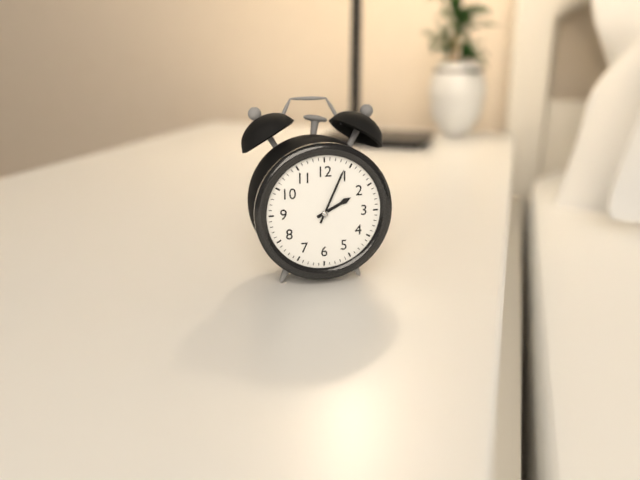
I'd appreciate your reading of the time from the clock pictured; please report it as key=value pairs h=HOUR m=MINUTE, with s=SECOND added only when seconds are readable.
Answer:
h=2 m=4
